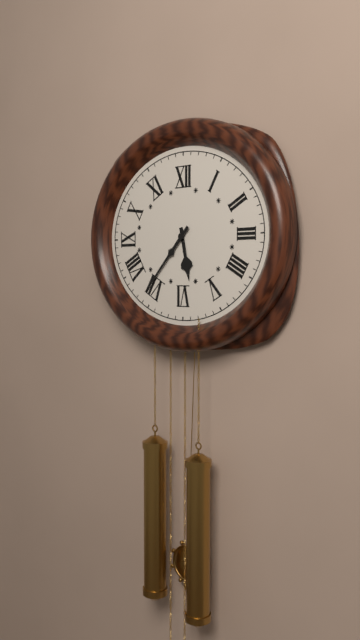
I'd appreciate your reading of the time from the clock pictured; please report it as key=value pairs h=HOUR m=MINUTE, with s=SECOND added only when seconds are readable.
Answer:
h=5 m=37
